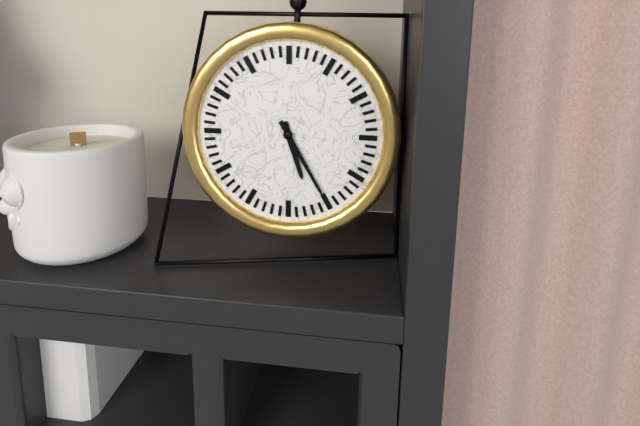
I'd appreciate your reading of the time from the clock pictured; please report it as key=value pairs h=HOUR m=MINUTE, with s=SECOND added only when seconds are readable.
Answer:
h=5 m=25
